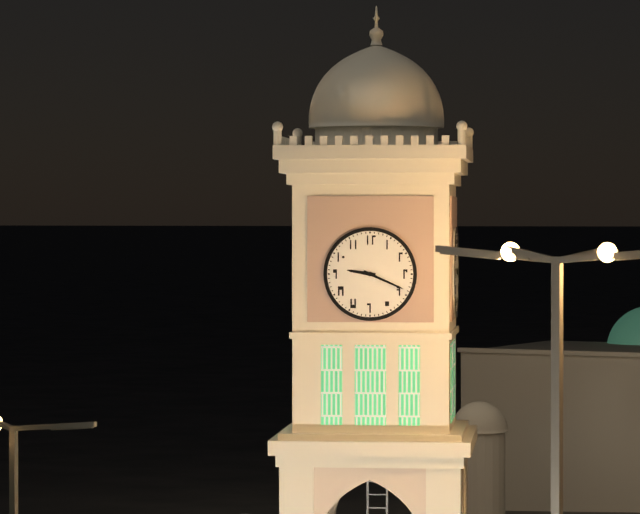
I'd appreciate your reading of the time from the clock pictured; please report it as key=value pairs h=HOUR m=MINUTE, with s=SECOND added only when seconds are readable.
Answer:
h=9 m=19
